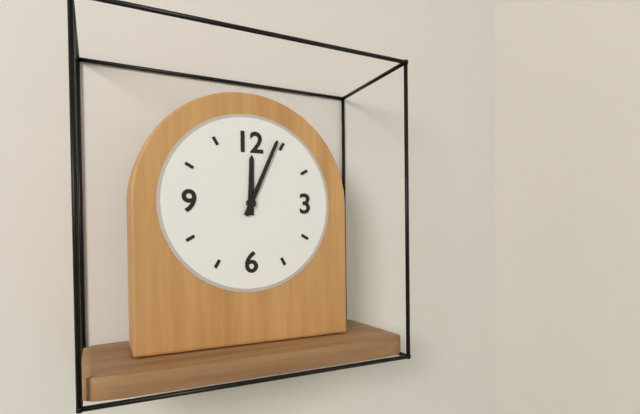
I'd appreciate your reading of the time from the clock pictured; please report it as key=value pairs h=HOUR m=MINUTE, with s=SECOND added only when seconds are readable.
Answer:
h=12 m=4
